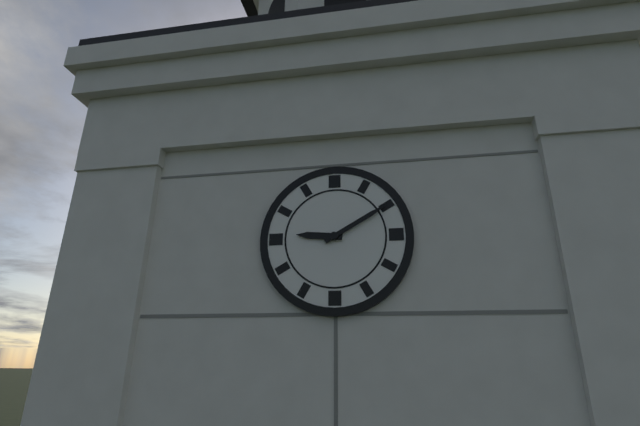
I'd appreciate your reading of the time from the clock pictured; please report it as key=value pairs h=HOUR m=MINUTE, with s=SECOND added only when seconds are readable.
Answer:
h=9 m=10
